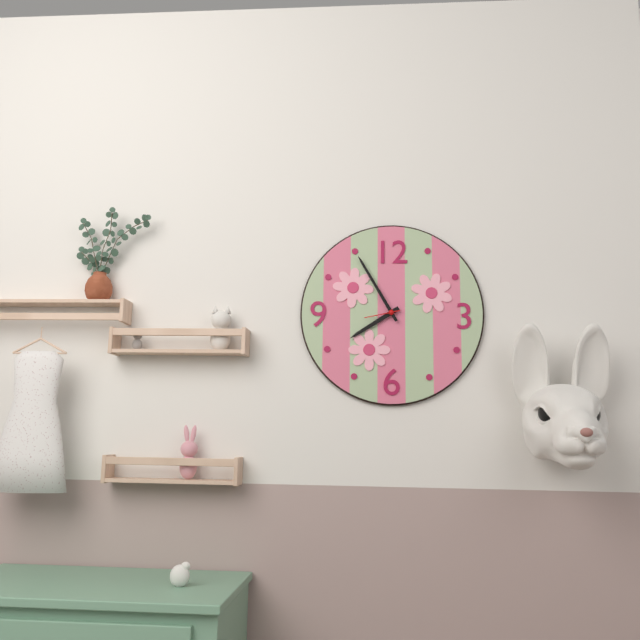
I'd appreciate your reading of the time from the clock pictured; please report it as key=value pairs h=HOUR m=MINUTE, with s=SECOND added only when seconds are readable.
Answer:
h=7 m=55
